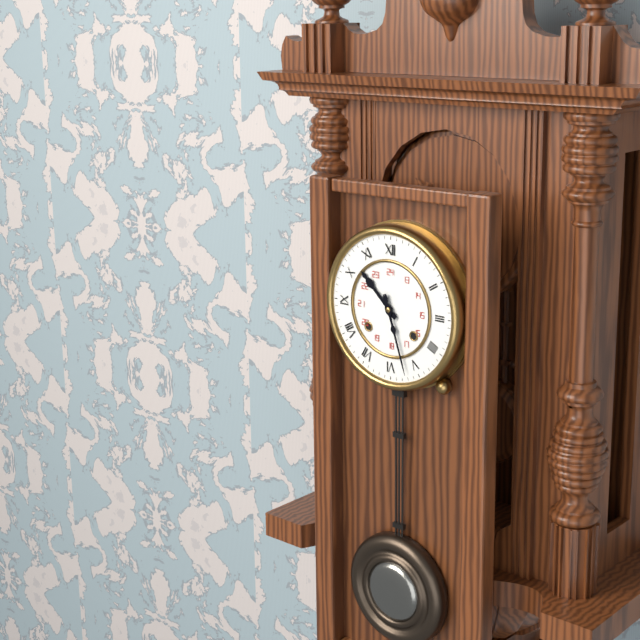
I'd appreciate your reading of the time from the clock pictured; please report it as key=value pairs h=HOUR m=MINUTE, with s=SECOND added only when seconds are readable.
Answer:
h=10 m=27
